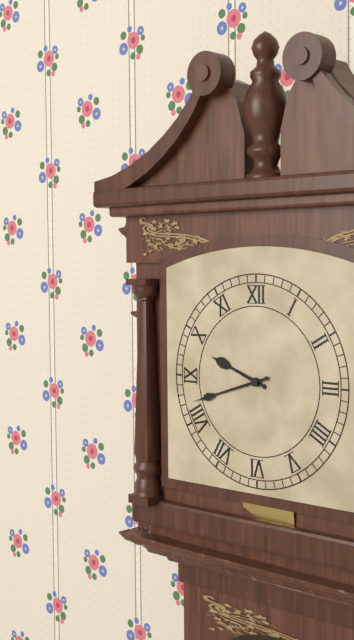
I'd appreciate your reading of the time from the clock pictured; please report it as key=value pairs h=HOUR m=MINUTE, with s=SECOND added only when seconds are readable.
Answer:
h=9 m=42
